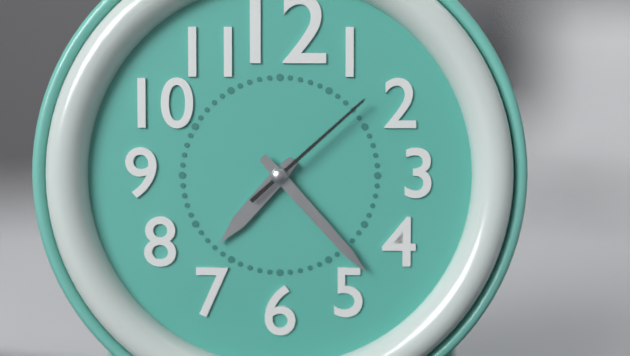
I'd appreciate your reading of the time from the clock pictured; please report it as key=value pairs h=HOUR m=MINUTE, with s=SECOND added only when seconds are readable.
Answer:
h=7 m=23 s=8
